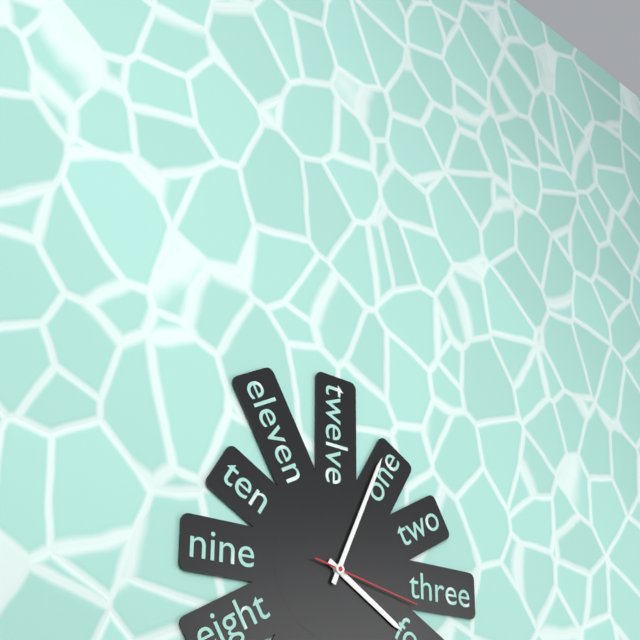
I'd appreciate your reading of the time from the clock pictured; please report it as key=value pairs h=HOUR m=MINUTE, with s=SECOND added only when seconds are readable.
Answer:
h=4 m=4 s=17
